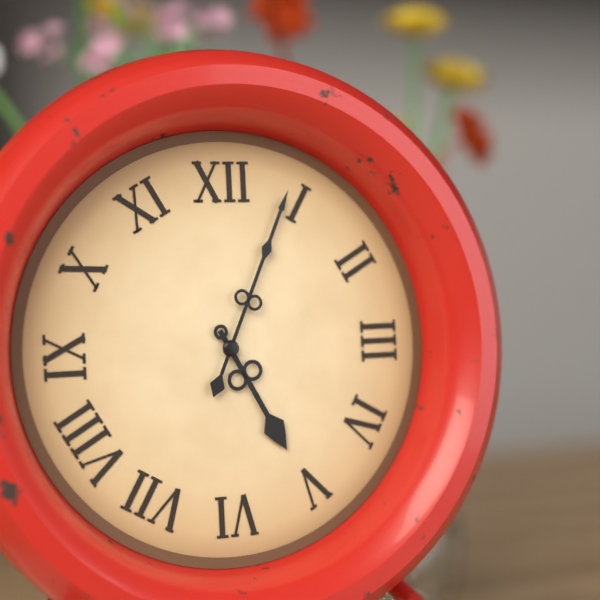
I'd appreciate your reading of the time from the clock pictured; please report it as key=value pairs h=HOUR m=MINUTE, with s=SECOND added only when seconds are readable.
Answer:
h=5 m=4
